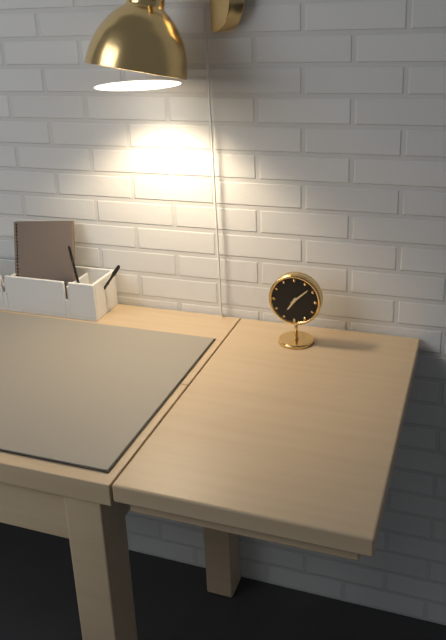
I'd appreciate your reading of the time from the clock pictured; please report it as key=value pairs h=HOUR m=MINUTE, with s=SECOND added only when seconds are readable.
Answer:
h=7 m=8
